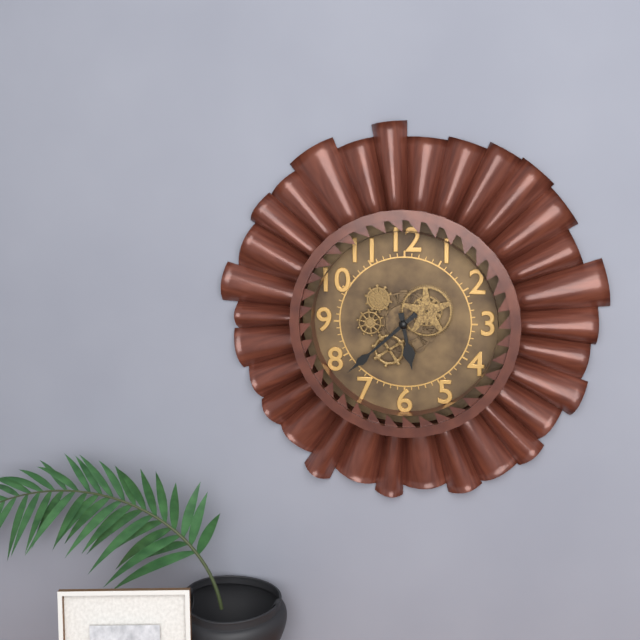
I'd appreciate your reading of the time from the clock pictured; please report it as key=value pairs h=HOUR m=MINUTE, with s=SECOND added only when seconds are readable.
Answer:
h=5 m=38
